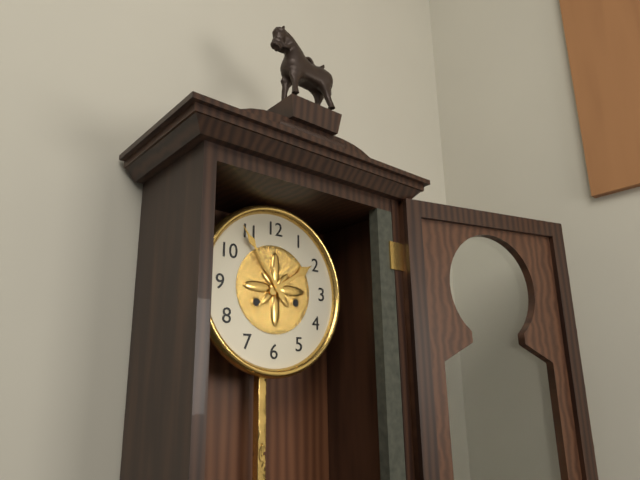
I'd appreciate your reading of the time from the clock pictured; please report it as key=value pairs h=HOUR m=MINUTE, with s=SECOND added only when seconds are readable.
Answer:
h=1 m=54
